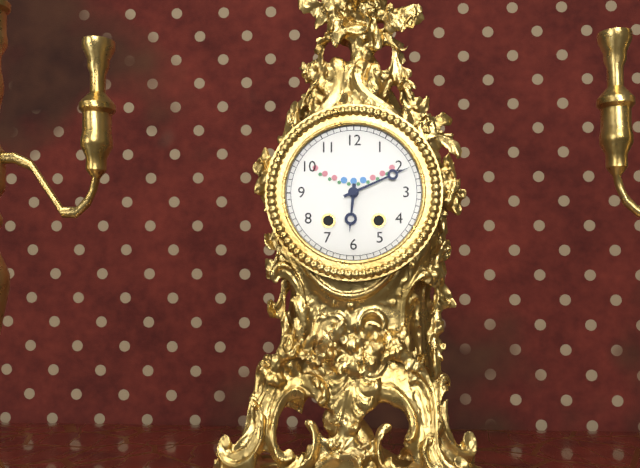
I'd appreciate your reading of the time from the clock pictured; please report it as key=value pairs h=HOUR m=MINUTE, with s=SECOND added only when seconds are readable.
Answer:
h=6 m=11
